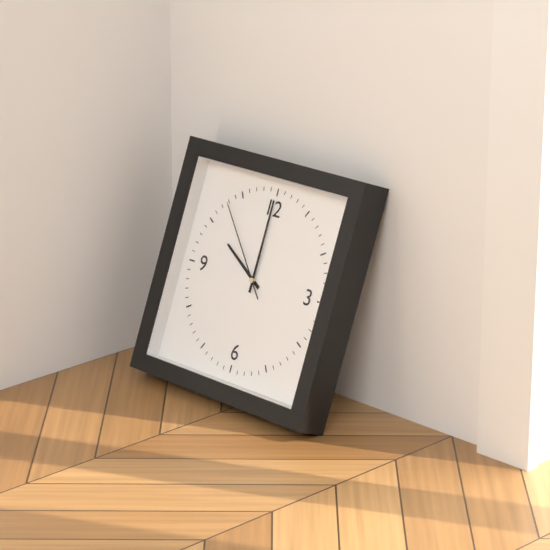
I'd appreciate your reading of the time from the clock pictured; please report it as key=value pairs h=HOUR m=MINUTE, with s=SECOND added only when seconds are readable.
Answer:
h=10 m=0 s=53
